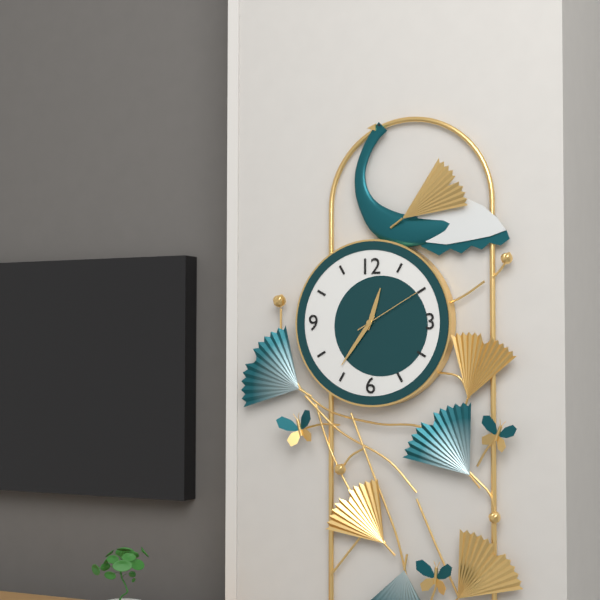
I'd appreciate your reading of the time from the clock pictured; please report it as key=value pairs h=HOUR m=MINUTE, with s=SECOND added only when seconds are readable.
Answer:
h=12 m=36 s=10
